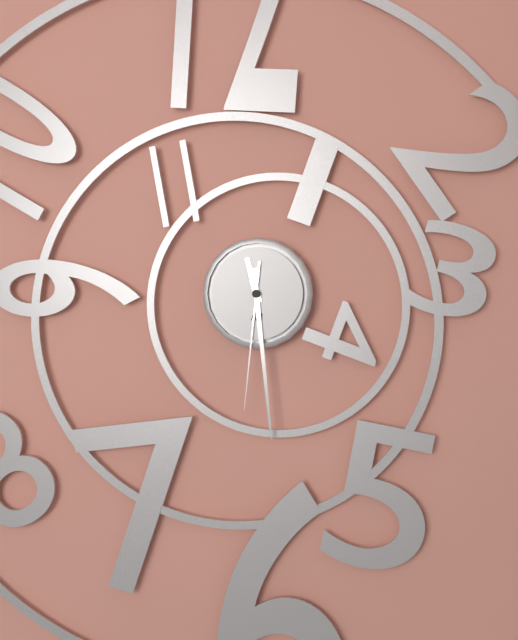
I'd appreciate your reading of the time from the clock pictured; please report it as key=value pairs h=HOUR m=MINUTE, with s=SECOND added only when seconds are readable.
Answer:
h=11 m=29 s=31
